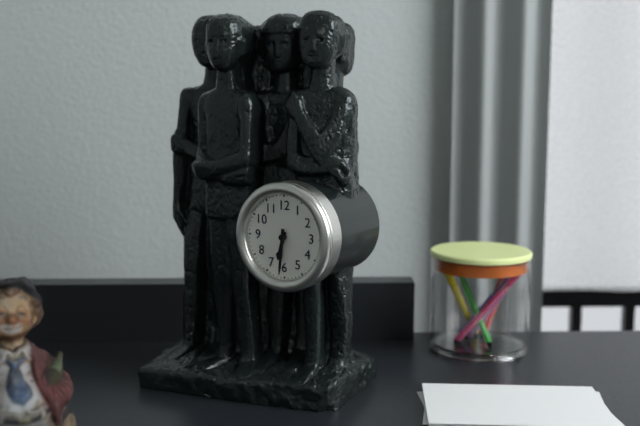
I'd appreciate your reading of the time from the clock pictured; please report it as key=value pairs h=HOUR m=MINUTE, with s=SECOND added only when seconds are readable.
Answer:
h=6 m=31
